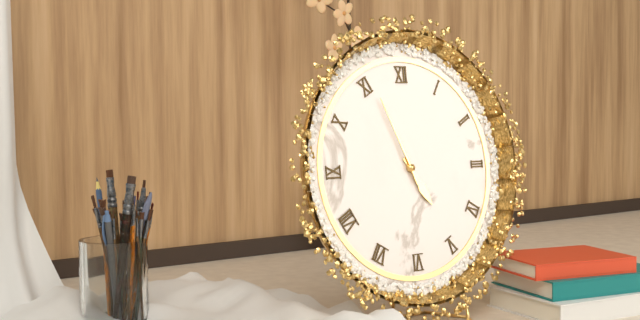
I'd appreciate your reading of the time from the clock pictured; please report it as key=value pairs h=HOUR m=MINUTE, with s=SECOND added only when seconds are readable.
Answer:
h=4 m=56
